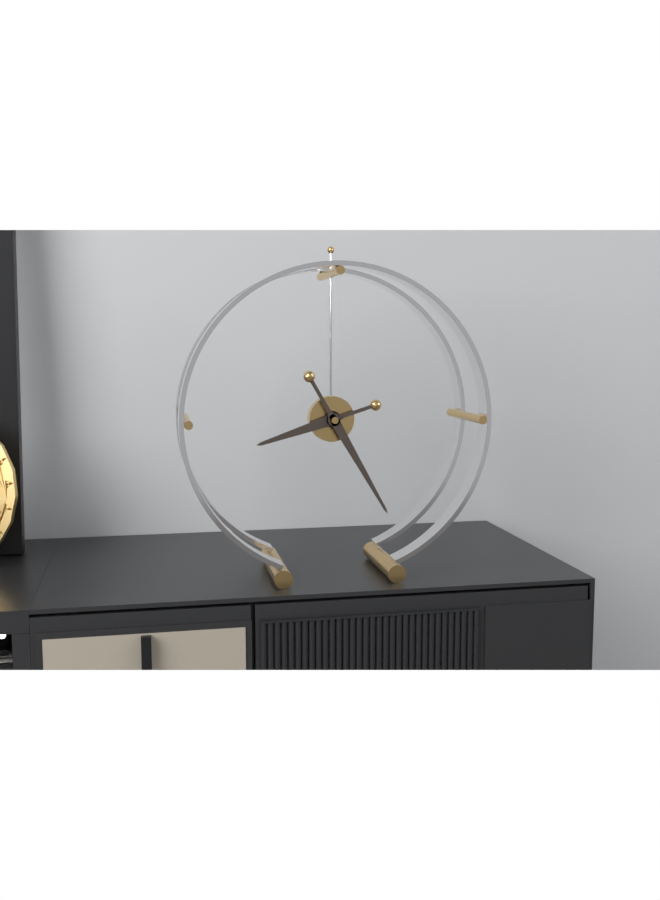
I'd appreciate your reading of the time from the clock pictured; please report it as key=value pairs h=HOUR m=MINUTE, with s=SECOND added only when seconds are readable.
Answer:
h=8 m=25
